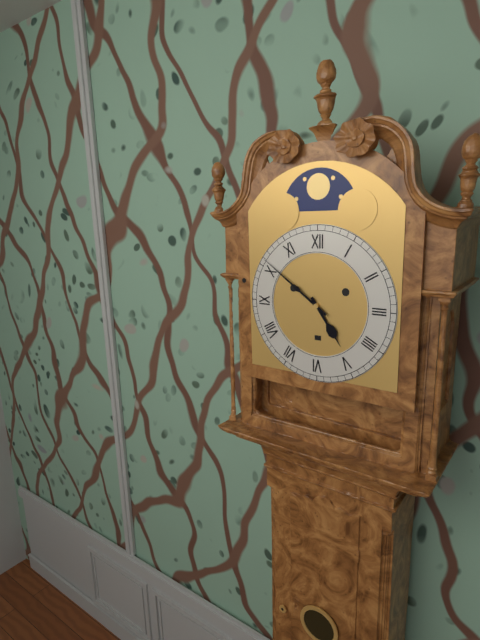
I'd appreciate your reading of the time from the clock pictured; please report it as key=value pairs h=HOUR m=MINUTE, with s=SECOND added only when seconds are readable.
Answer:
h=4 m=51
